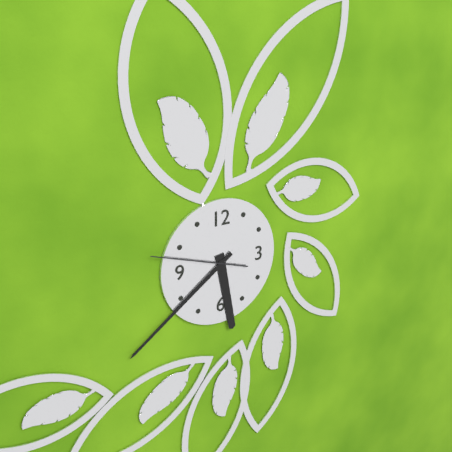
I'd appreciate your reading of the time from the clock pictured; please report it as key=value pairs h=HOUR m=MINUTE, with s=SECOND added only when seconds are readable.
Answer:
h=5 m=39 s=48
